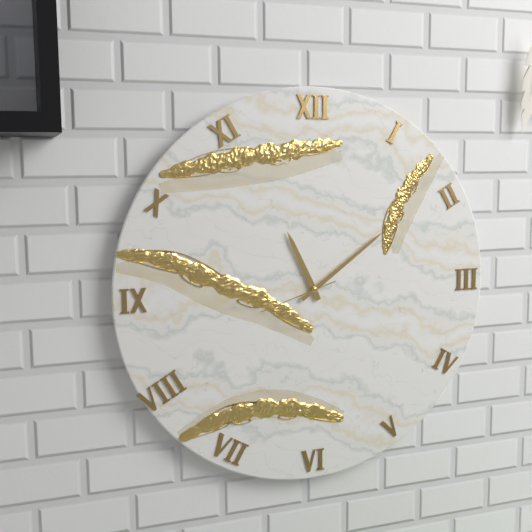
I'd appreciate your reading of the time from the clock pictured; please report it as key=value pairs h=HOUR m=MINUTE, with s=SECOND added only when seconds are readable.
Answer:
h=11 m=9 s=42
